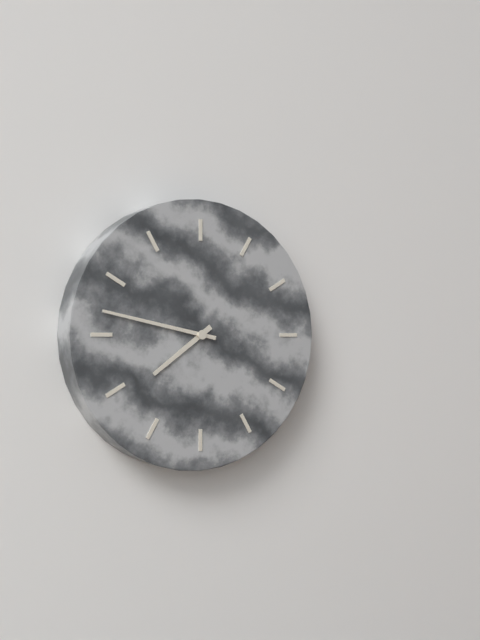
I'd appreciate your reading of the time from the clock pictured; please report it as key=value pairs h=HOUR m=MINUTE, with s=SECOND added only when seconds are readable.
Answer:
h=7 m=47
